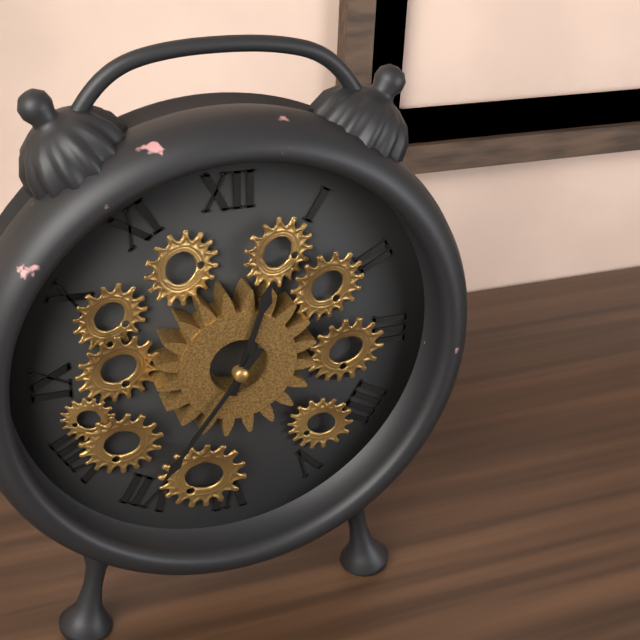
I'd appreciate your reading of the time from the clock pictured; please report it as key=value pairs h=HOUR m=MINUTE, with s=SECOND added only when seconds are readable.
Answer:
h=12 m=36
